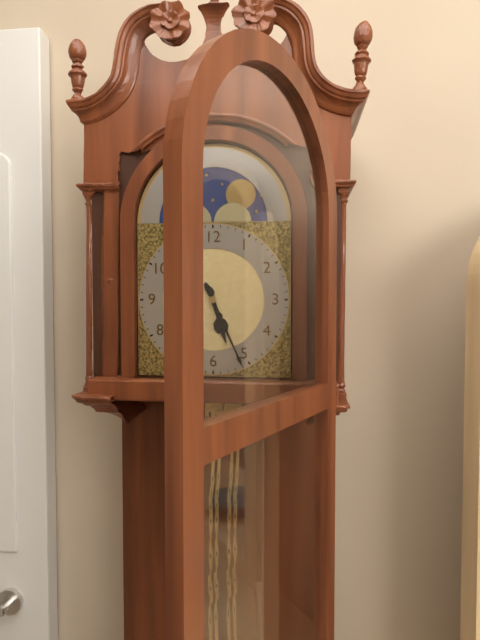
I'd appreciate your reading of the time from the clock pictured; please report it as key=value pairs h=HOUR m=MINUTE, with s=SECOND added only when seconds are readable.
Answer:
h=5 m=26
